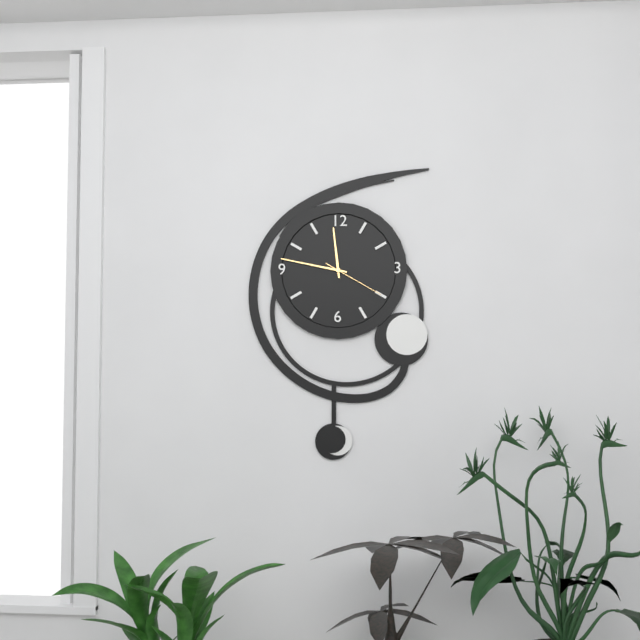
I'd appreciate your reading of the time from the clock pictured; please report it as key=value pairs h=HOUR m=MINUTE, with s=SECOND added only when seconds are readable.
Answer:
h=11 m=47 s=20
